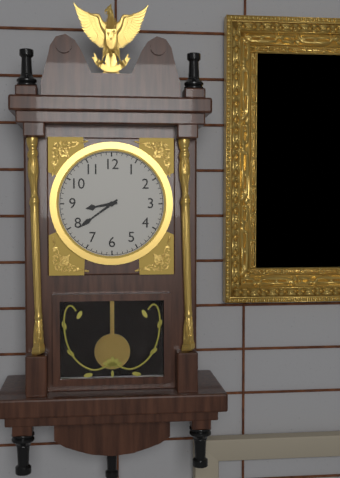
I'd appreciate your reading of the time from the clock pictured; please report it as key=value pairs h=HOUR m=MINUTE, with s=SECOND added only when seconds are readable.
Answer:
h=8 m=39
